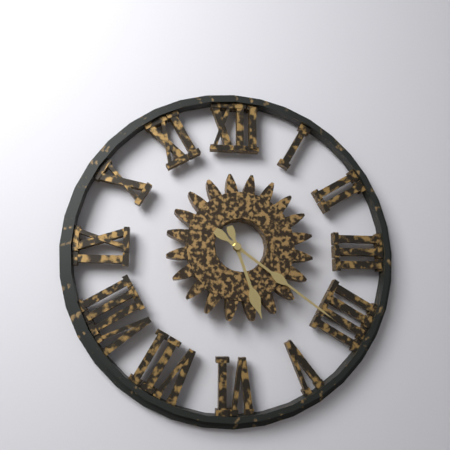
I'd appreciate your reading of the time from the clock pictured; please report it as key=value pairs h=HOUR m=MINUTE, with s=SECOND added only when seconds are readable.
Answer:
h=5 m=21
